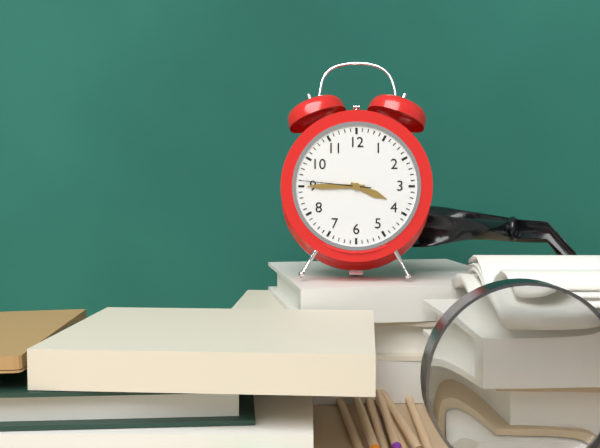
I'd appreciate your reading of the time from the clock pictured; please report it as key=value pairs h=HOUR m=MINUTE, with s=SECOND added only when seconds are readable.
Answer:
h=3 m=45 s=46
